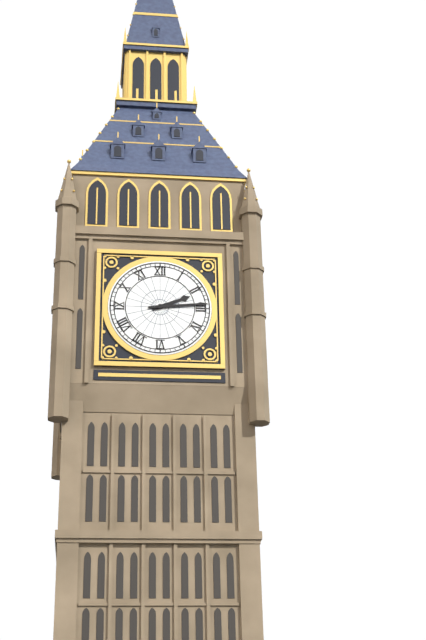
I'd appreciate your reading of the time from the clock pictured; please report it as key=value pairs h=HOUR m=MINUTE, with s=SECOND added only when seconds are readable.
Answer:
h=2 m=14
